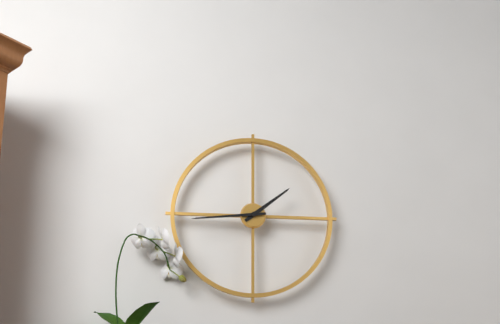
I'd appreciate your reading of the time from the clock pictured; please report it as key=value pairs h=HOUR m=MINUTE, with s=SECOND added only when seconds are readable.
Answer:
h=1 m=44
